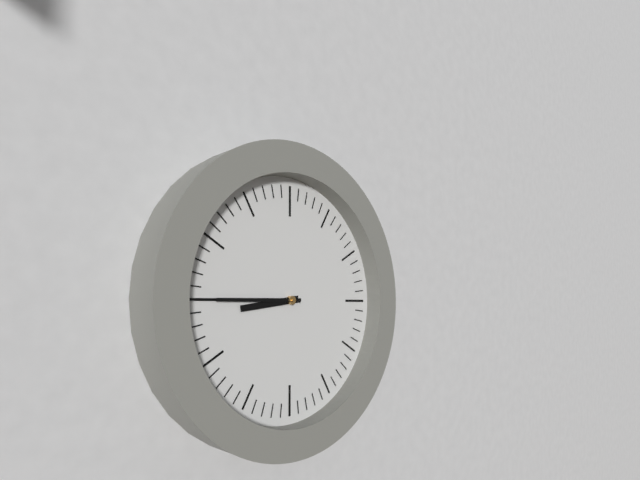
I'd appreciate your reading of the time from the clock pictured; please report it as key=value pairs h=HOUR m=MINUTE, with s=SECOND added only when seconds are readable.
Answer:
h=8 m=45
